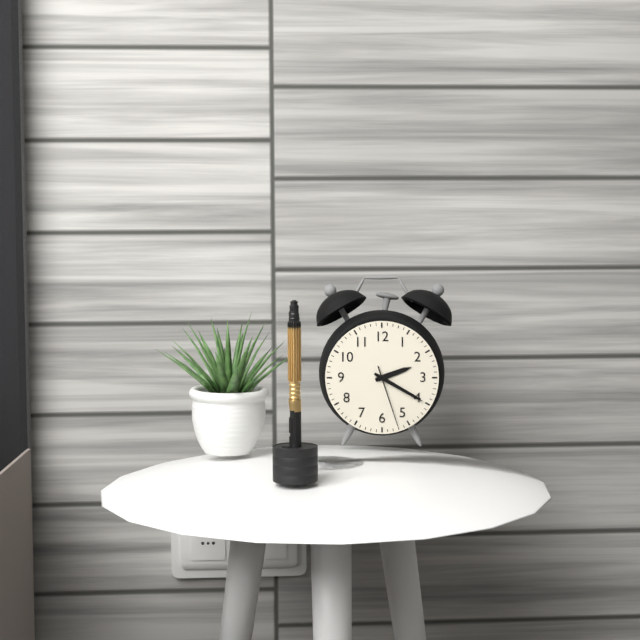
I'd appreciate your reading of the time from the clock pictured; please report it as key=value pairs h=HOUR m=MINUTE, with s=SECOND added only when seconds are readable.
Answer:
h=2 m=20 s=27
